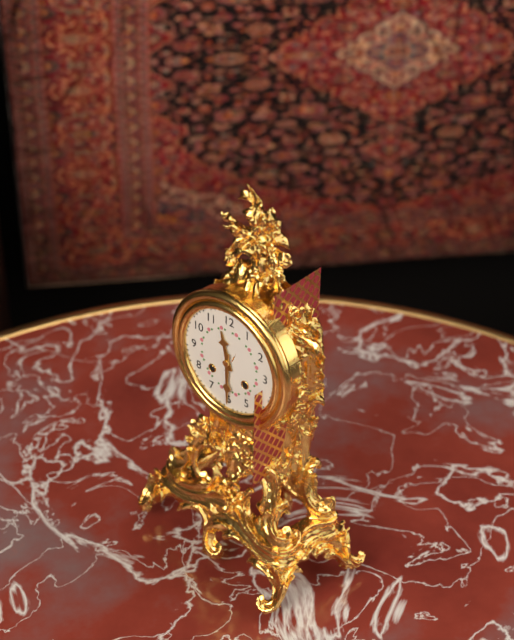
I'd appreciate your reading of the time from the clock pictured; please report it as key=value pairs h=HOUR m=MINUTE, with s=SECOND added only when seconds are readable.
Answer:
h=11 m=30
